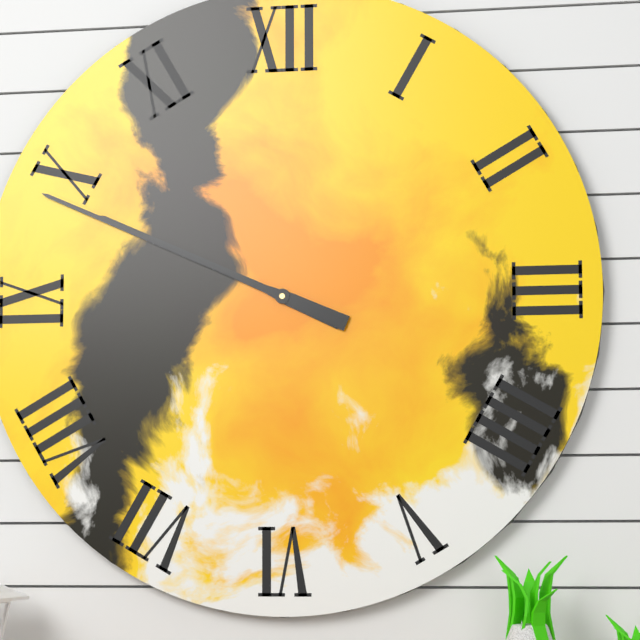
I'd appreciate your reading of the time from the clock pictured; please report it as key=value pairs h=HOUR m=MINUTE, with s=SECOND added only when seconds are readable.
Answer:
h=9 m=49
